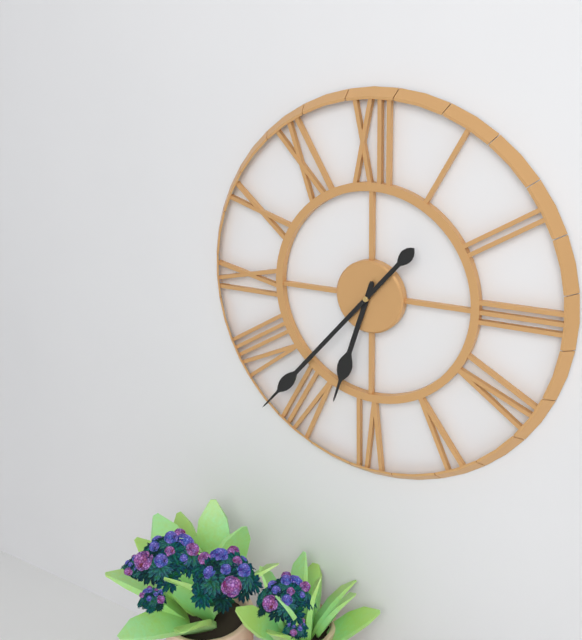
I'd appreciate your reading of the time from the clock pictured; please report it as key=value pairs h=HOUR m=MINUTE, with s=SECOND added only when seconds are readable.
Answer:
h=6 m=37
